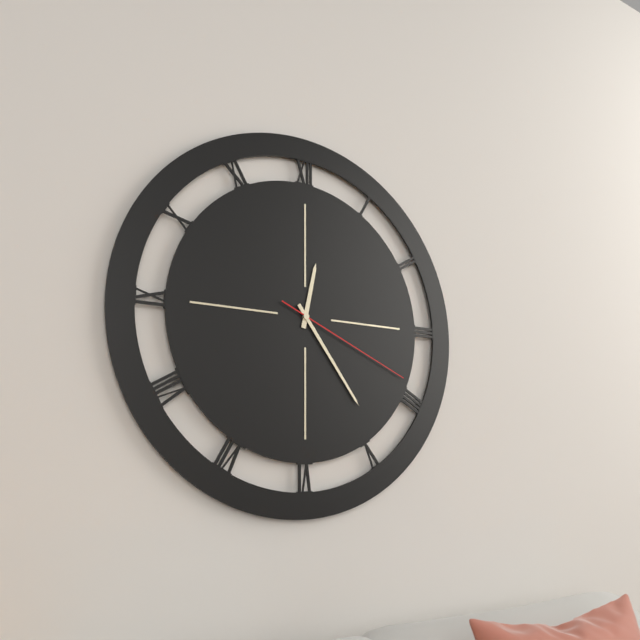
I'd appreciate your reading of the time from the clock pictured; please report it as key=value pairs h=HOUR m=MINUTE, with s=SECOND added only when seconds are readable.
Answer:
h=12 m=24 s=19
